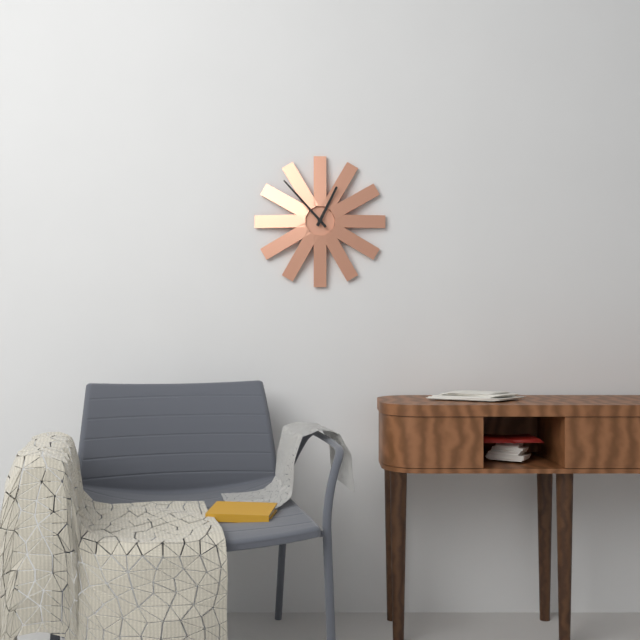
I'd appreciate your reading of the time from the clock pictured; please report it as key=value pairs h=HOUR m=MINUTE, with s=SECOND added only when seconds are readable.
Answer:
h=12 m=53
